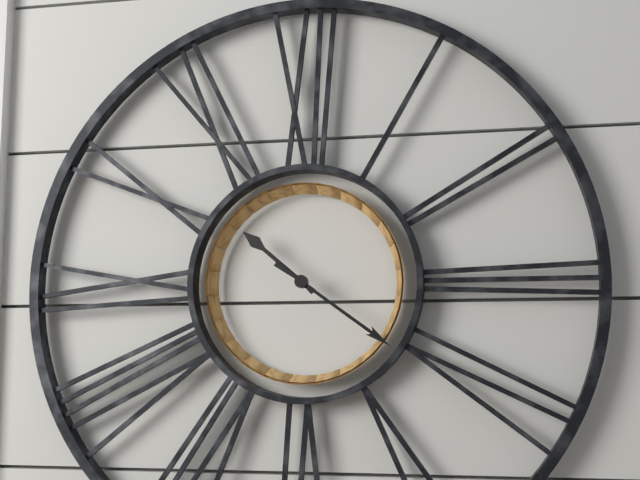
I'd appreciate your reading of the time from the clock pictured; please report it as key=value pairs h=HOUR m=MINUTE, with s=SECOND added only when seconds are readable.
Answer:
h=10 m=21
